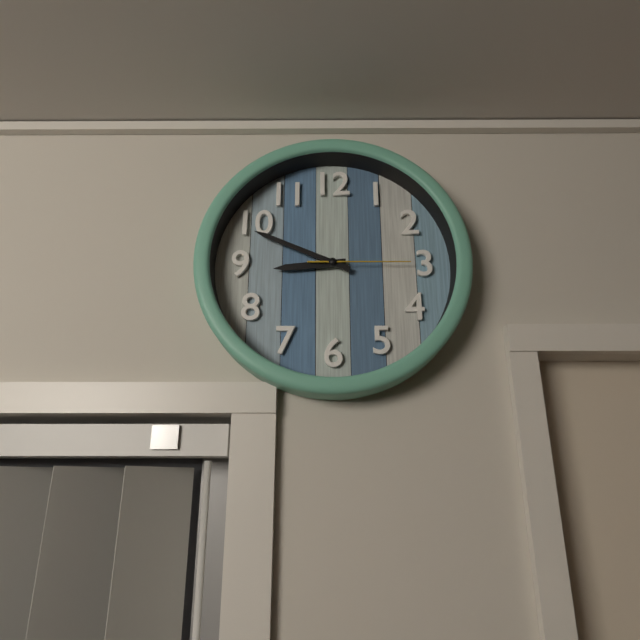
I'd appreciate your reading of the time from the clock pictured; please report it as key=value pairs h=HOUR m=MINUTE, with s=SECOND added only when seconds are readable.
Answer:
h=8 m=49 s=15
